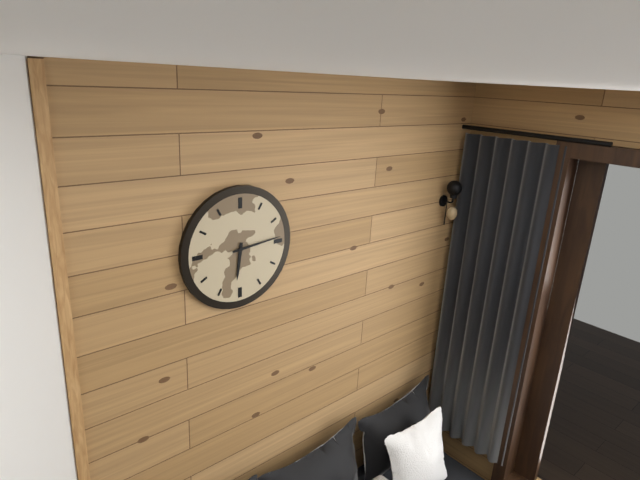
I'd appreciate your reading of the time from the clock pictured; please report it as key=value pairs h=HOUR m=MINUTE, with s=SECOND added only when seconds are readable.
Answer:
h=6 m=14
